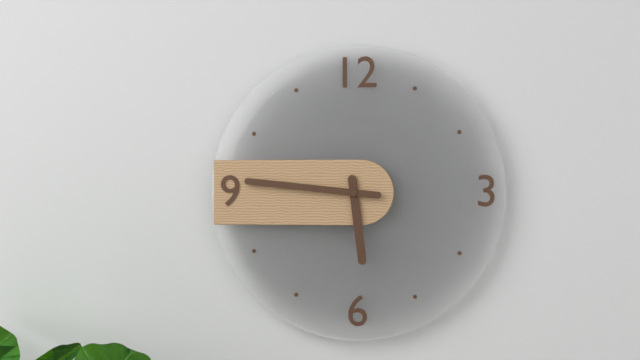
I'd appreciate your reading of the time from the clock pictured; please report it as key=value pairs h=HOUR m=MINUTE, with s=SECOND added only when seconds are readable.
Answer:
h=5 m=46
